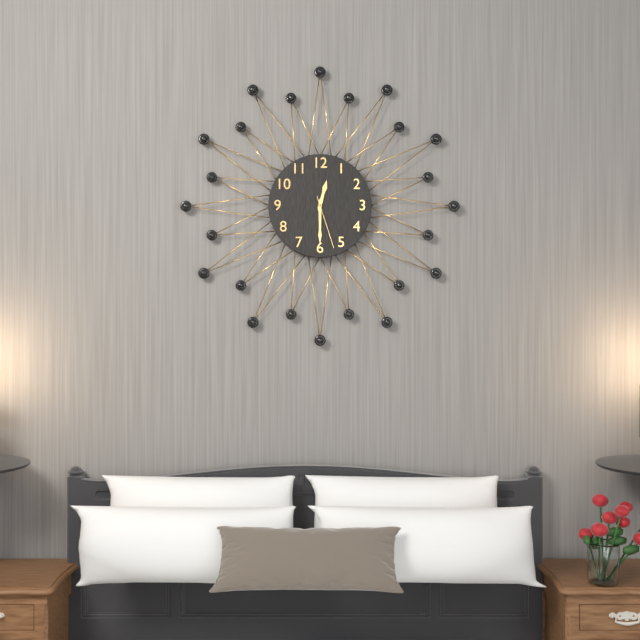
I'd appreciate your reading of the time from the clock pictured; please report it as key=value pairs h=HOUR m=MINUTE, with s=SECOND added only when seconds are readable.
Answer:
h=12 m=30 s=27
